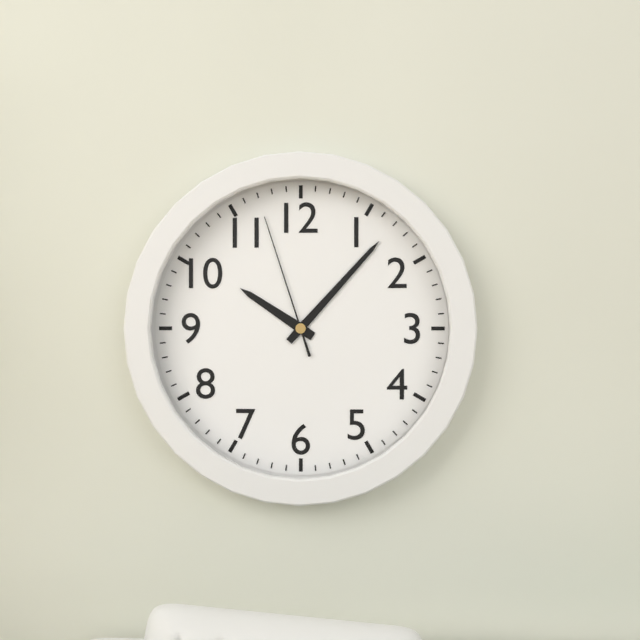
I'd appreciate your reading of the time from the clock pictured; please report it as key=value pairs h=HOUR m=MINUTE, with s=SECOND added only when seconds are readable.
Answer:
h=10 m=7 s=57
